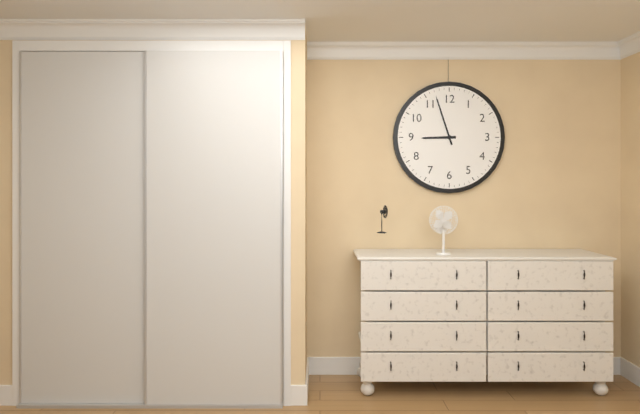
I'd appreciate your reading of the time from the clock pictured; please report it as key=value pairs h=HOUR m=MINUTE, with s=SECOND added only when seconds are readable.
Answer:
h=8 m=57
